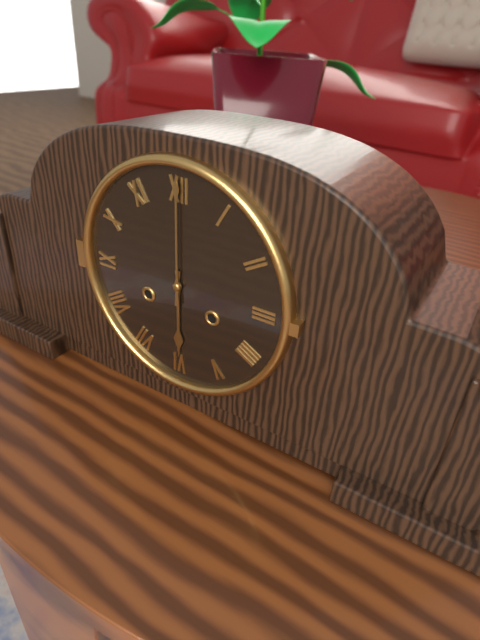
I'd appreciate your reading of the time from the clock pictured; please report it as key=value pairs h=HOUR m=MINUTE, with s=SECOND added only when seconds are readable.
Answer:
h=6 m=0
